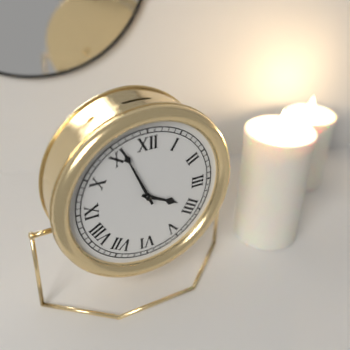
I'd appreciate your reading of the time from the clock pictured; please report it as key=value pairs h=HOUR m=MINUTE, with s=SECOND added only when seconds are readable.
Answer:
h=3 m=56
